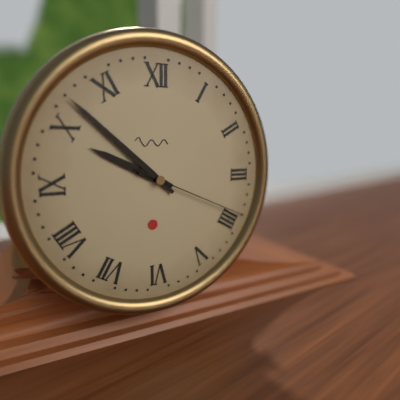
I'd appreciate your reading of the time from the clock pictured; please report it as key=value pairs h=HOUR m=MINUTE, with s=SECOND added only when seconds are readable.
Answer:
h=9 m=52 s=19
